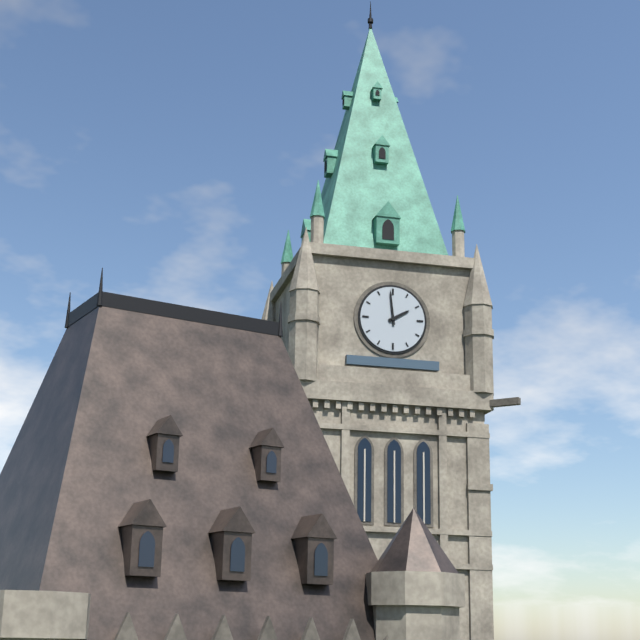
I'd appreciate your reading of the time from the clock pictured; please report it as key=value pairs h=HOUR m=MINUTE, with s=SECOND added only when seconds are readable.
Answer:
h=1 m=59
